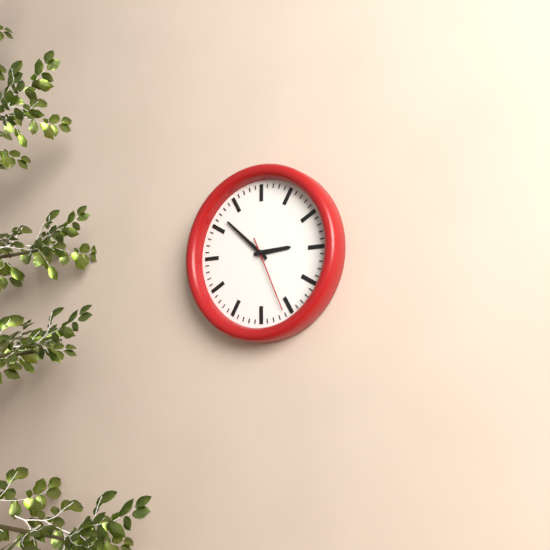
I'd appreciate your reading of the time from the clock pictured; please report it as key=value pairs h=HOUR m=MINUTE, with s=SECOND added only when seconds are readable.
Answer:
h=2 m=52 s=26
